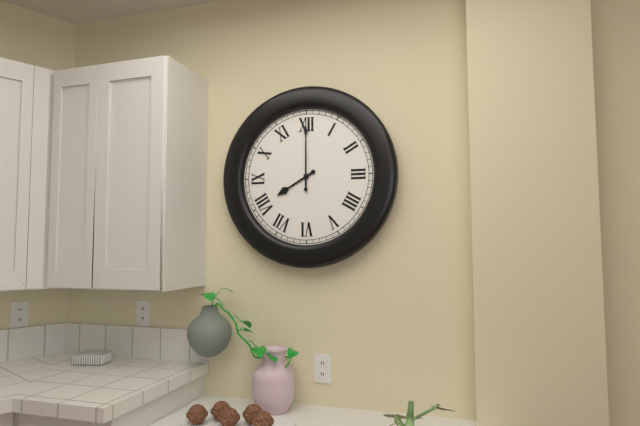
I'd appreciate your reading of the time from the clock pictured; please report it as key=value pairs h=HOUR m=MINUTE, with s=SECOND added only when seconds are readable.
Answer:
h=8 m=0
